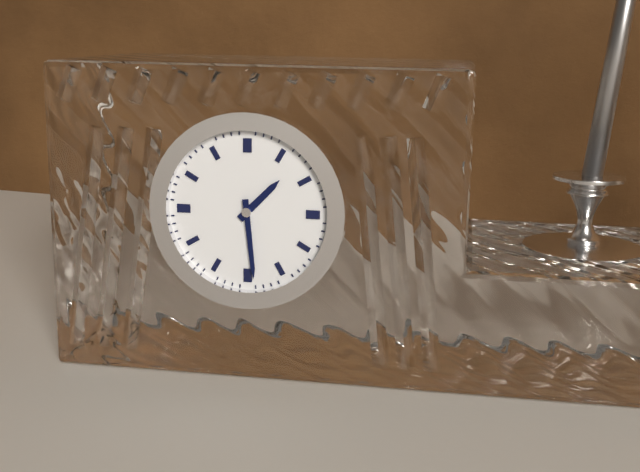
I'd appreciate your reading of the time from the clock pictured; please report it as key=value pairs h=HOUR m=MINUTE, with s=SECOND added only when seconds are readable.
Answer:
h=1 m=29
